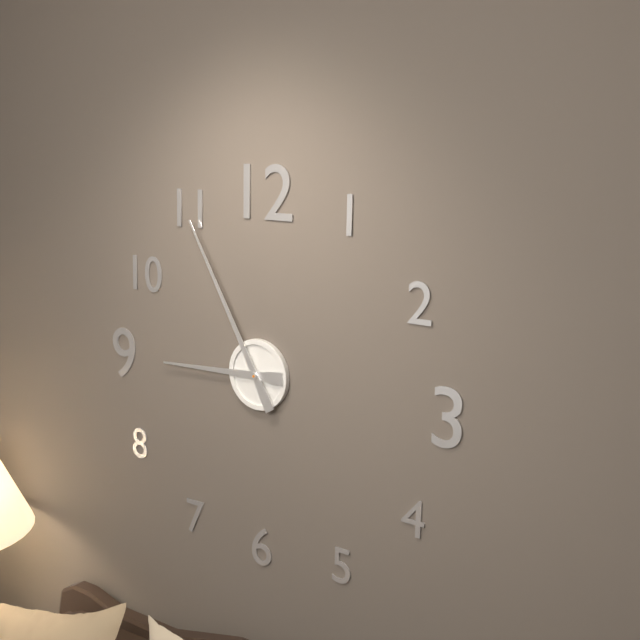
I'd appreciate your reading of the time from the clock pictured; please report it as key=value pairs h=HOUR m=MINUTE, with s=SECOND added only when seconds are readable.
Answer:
h=8 m=55
